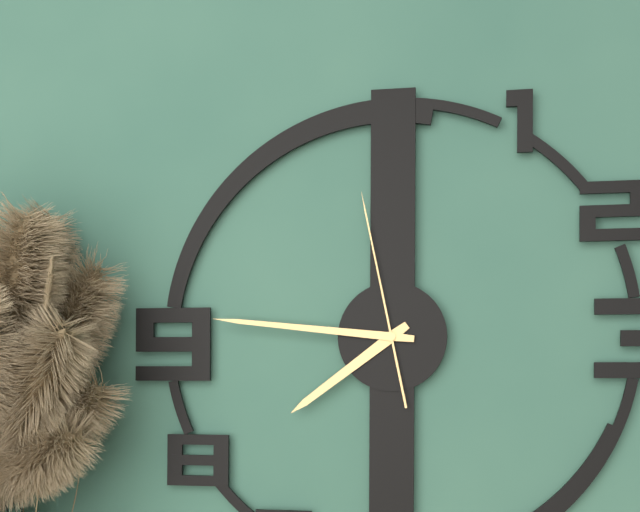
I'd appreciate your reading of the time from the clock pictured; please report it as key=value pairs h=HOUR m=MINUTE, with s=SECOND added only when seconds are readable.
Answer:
h=7 m=46 s=58
